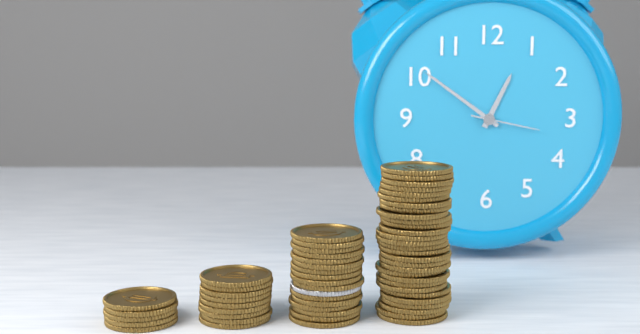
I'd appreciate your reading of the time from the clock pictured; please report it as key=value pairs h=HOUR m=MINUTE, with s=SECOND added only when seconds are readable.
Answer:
h=12 m=51 s=17
